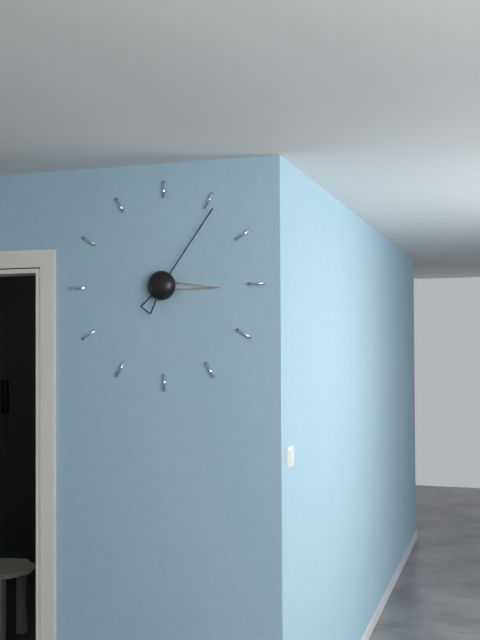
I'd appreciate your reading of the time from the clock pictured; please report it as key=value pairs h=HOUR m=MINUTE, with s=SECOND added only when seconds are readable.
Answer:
h=3 m=6
